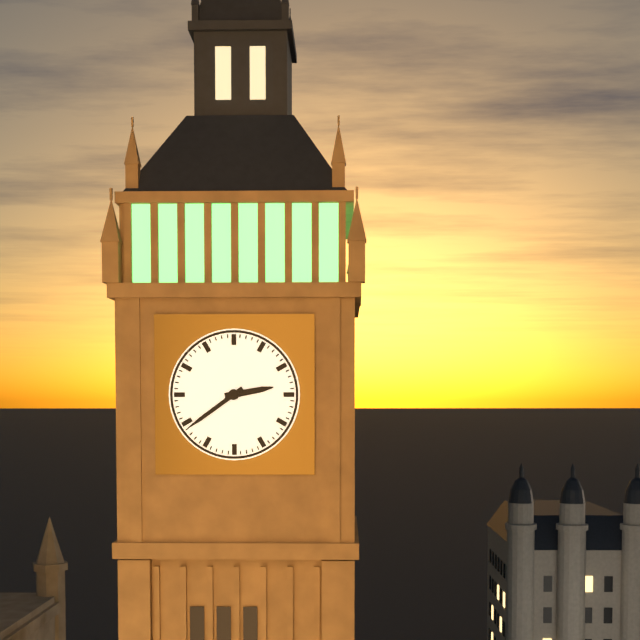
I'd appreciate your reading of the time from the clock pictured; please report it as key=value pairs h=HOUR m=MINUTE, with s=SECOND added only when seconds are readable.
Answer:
h=2 m=39
